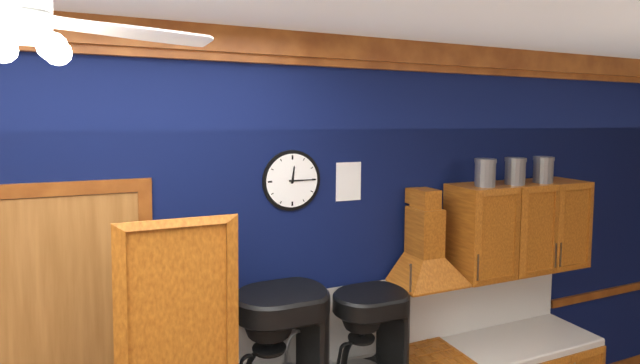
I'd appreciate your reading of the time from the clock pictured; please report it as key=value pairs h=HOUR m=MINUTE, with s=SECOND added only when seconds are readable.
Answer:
h=12 m=15
